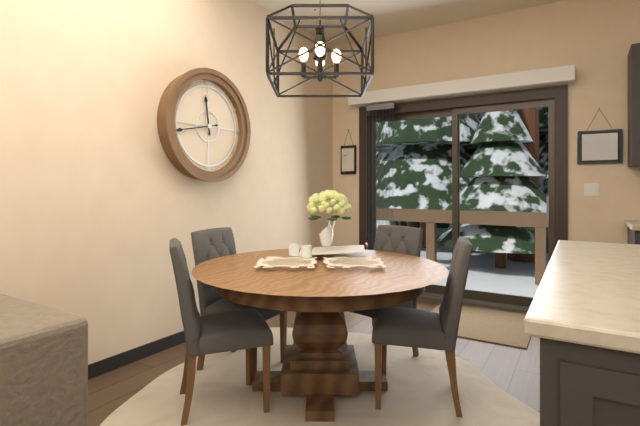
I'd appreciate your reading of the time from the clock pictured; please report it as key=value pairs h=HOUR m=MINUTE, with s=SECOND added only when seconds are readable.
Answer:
h=11 m=43
